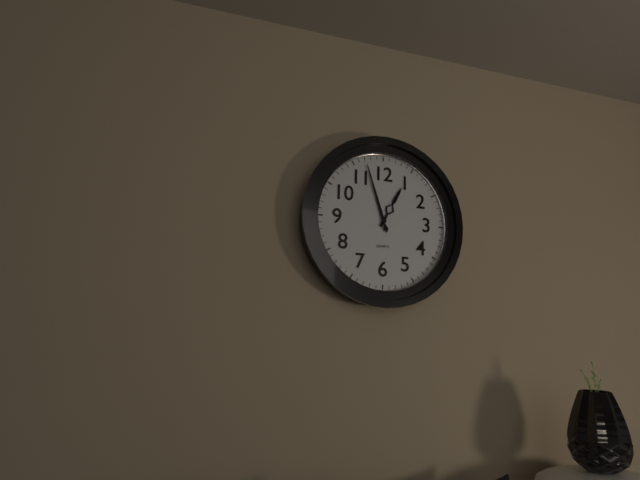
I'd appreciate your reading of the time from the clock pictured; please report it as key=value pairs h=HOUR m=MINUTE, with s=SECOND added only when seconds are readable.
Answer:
h=12 m=57
